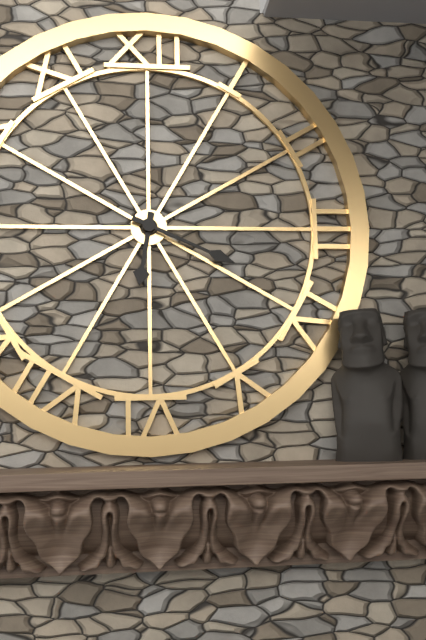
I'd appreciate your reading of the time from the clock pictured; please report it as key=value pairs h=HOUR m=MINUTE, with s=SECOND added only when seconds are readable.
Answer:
h=6 m=19
